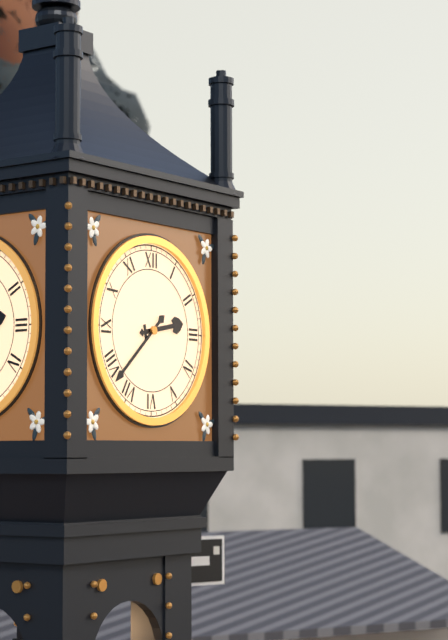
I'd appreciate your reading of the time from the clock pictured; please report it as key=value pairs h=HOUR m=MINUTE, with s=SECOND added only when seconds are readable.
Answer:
h=2 m=38
